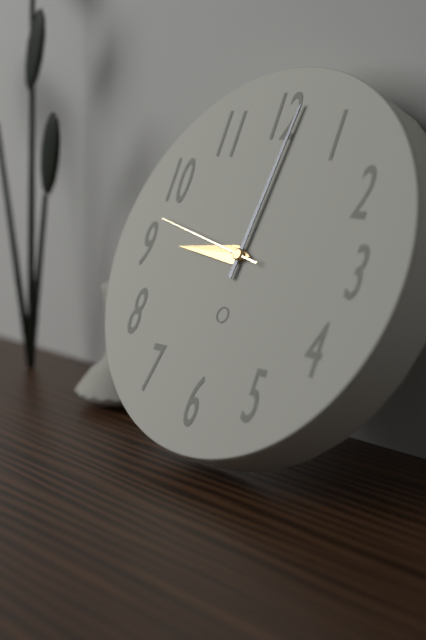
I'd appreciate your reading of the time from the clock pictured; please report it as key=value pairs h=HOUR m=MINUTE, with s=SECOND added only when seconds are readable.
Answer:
h=9 m=1 s=47
